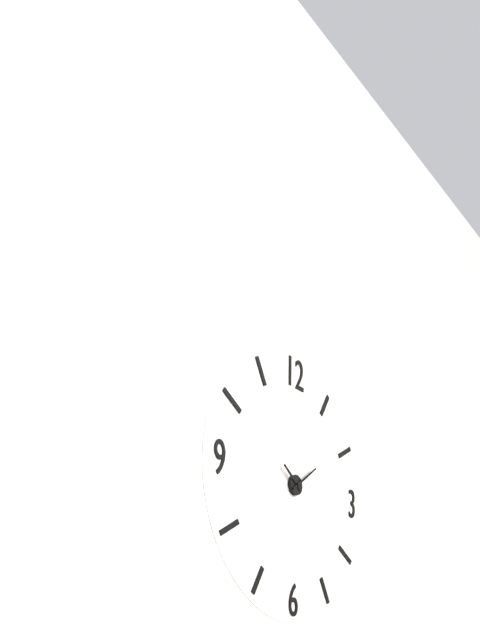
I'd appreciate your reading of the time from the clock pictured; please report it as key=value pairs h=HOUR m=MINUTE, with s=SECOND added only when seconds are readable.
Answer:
h=10 m=9
